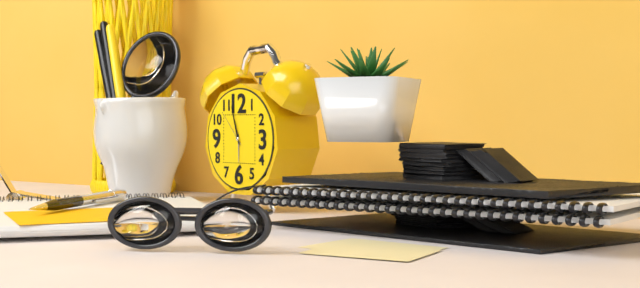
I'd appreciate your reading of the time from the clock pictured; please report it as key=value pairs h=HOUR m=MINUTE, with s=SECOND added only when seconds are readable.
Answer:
h=5 m=57
